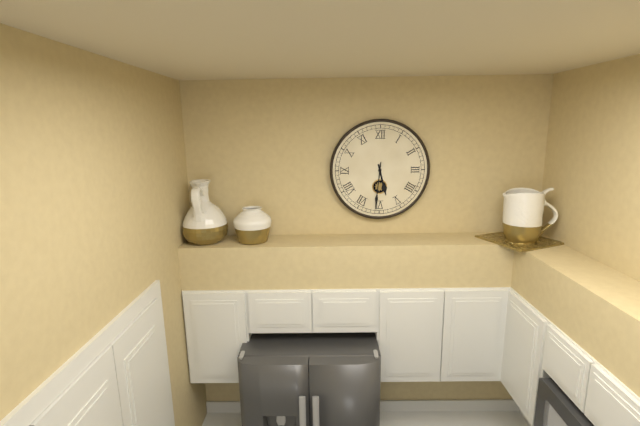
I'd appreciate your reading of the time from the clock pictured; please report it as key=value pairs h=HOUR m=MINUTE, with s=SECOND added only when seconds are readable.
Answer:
h=5 m=31
